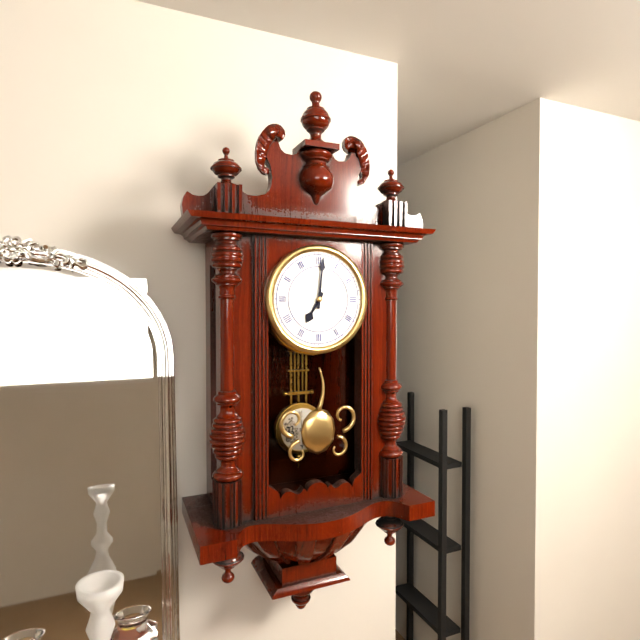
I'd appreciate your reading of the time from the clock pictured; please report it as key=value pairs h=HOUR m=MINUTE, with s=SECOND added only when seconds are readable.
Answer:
h=7 m=1
